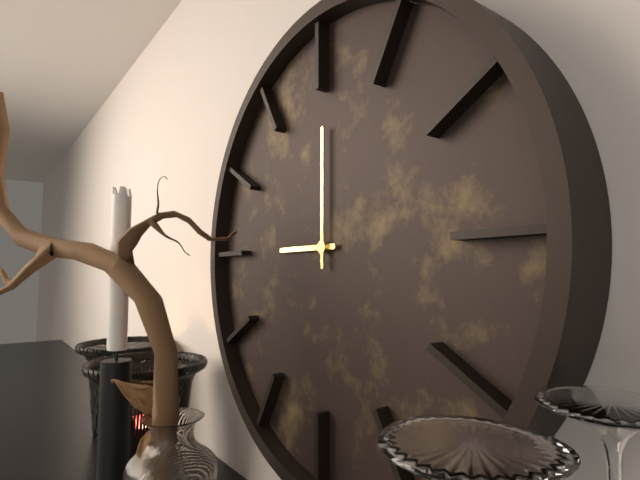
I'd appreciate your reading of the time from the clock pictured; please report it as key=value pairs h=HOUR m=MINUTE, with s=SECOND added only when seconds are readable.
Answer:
h=9 m=0
